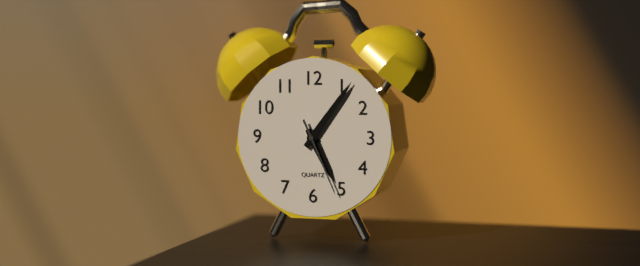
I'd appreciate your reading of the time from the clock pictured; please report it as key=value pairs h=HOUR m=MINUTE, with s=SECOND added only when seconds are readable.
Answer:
h=5 m=6 s=26
